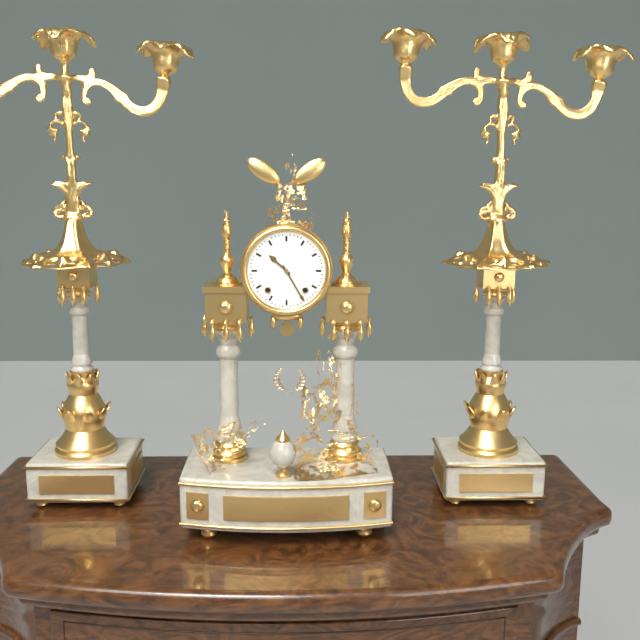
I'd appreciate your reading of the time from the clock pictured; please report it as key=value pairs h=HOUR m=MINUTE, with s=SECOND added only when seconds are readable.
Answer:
h=10 m=25
